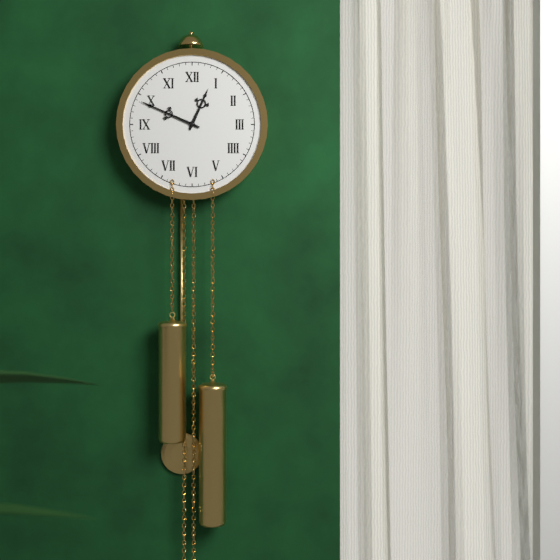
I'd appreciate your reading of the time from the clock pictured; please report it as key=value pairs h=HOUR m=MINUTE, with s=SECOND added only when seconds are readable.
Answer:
h=12 m=49
